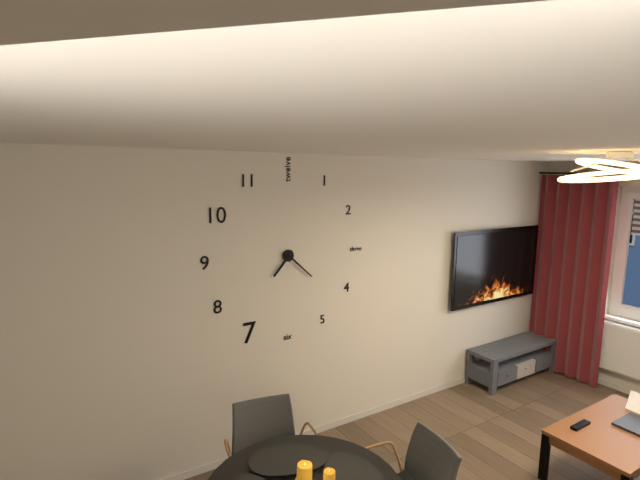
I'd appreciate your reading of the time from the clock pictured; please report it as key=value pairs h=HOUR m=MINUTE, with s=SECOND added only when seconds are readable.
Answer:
h=7 m=22
